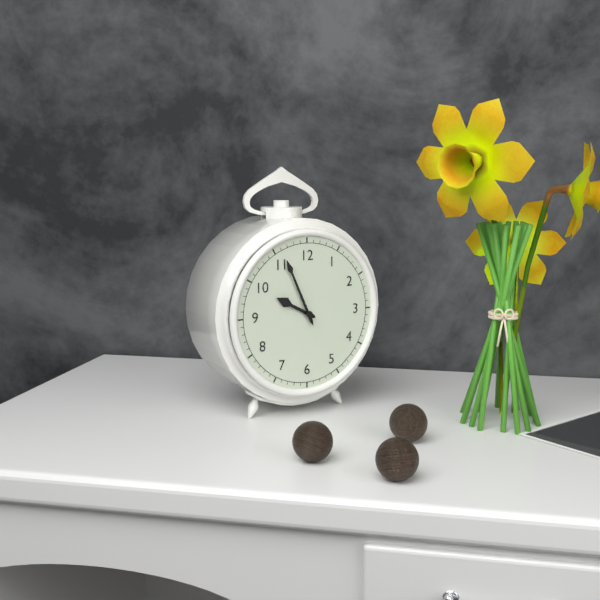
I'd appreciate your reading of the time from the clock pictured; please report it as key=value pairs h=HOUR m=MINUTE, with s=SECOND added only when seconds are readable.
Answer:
h=9 m=56
